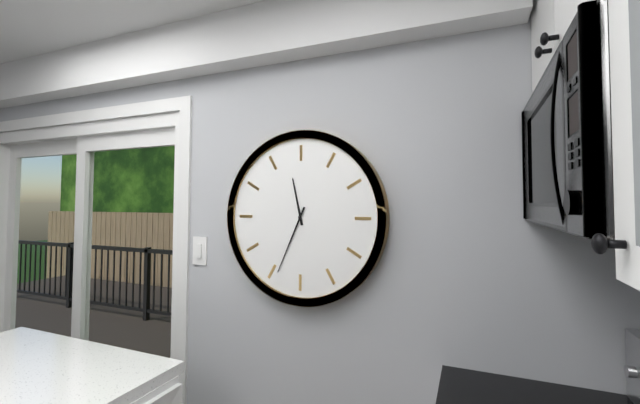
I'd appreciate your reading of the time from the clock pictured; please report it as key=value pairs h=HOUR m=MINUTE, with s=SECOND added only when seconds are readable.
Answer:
h=11 m=34
